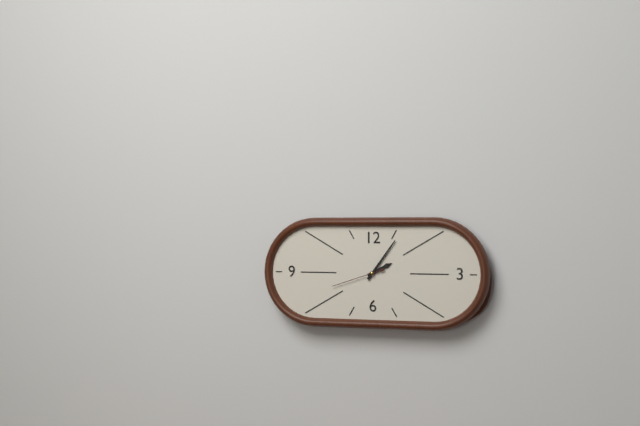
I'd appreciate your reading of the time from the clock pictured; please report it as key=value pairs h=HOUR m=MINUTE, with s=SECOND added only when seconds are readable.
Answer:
h=2 m=6 s=42
